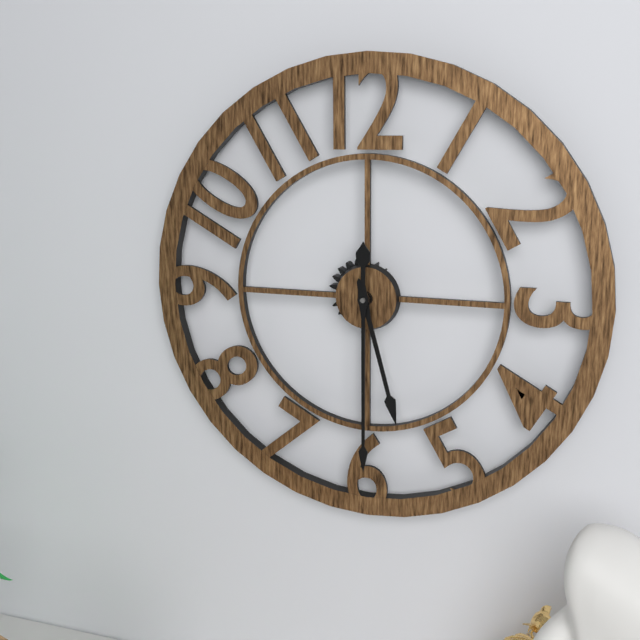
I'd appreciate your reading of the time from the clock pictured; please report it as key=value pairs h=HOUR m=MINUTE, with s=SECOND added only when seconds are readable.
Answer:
h=5 m=30
